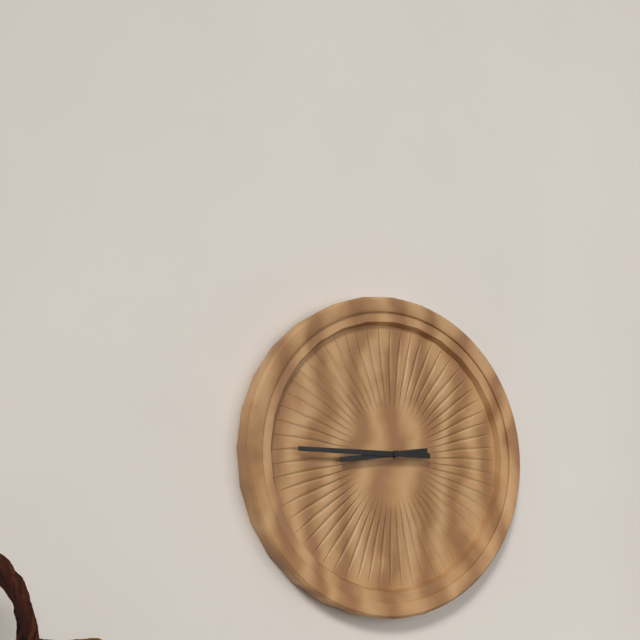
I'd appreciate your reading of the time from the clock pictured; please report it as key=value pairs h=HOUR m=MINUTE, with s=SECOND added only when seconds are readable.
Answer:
h=8 m=45
